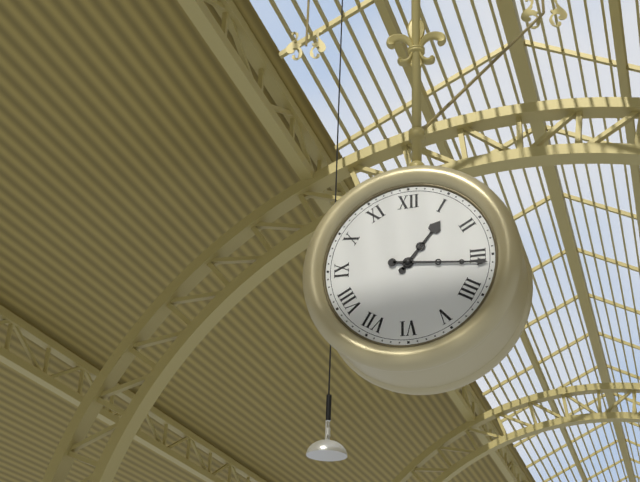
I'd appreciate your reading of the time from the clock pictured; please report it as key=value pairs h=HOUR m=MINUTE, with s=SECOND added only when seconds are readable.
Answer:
h=1 m=16
